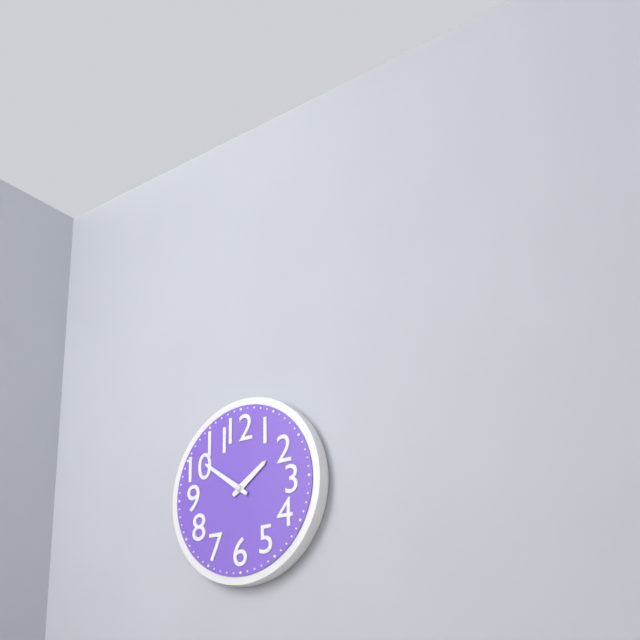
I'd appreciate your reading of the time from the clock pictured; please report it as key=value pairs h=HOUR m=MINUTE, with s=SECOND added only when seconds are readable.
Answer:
h=1 m=51
